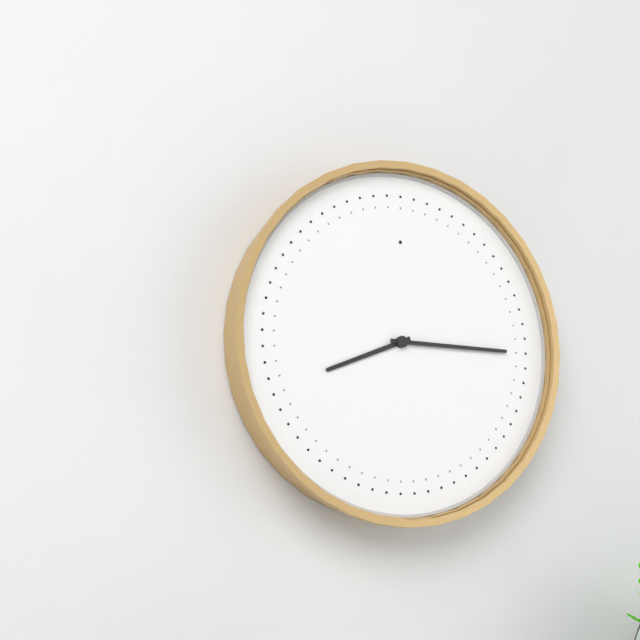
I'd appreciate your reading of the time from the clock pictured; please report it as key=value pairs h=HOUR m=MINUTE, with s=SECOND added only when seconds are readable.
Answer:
h=8 m=15
